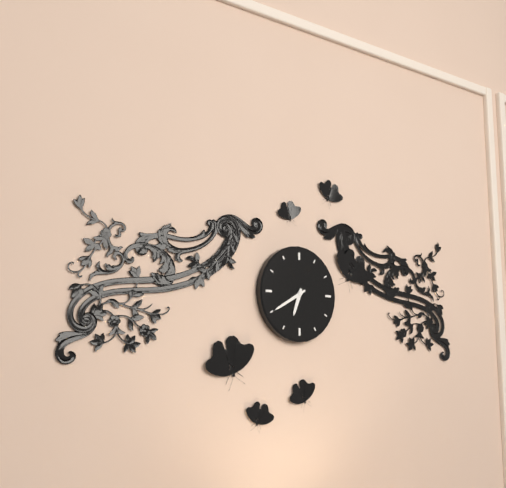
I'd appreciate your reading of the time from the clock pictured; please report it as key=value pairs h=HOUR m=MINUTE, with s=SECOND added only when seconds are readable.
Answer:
h=6 m=40
